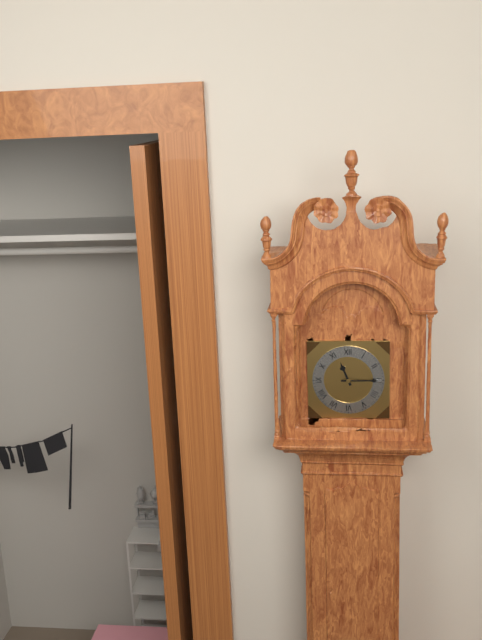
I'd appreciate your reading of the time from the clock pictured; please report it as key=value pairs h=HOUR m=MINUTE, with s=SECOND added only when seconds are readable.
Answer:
h=11 m=15
